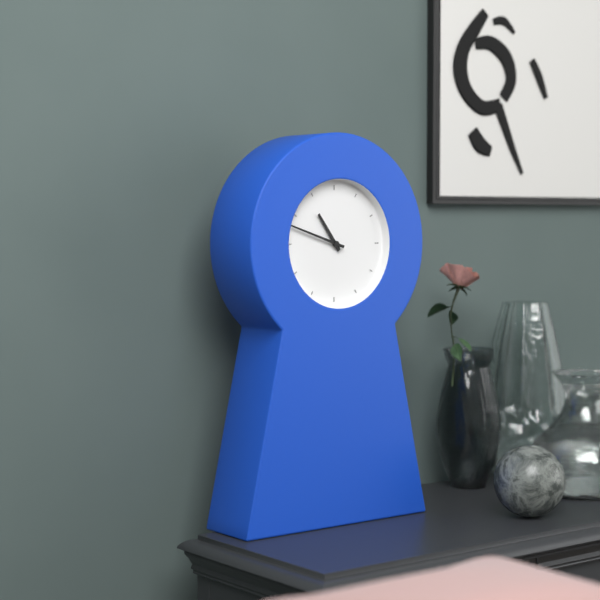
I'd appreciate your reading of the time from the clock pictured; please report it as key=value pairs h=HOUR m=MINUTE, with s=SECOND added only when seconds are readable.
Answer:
h=10 m=48
